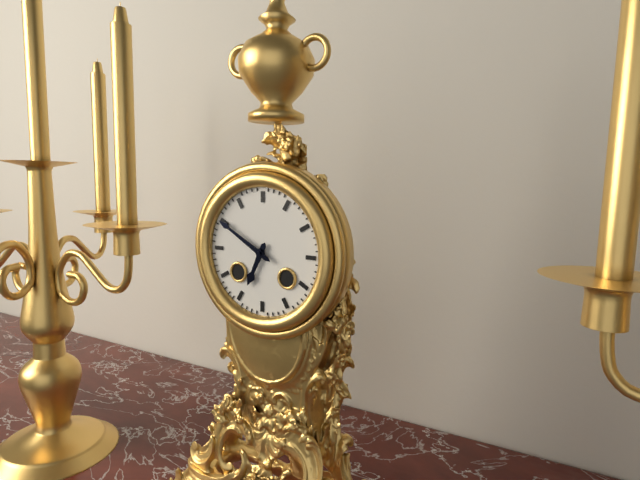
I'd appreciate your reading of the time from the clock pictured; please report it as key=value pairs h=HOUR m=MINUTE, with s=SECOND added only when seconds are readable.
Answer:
h=6 m=50
